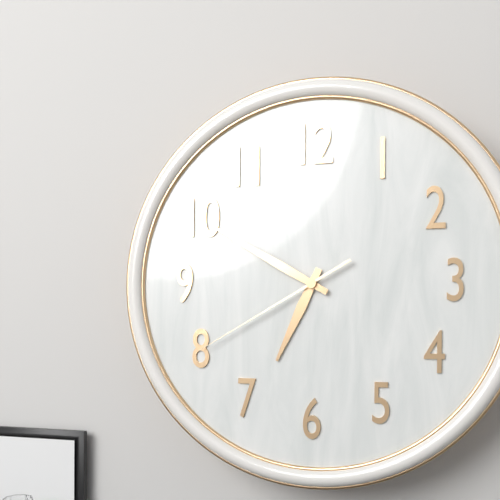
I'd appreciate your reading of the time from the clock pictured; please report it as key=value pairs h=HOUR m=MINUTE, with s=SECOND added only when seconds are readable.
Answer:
h=6 m=50 s=40
